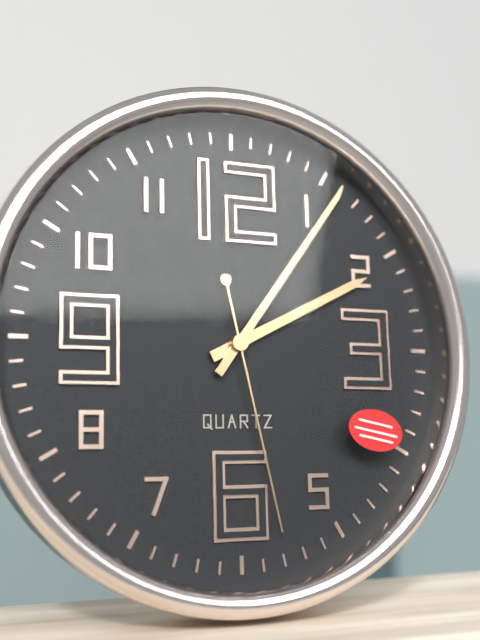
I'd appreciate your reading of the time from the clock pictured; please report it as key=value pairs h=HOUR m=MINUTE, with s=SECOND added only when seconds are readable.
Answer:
h=2 m=6 s=28
